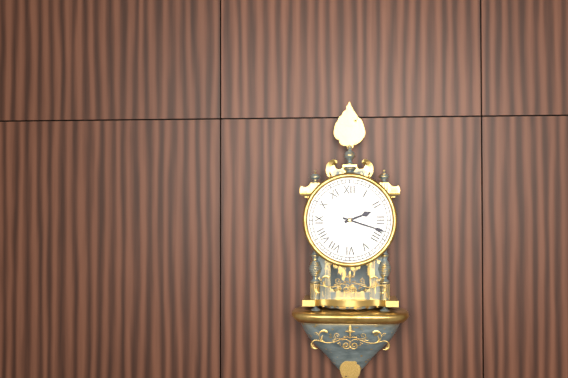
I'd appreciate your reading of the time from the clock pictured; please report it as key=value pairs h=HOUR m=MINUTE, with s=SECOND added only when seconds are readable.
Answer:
h=2 m=18
